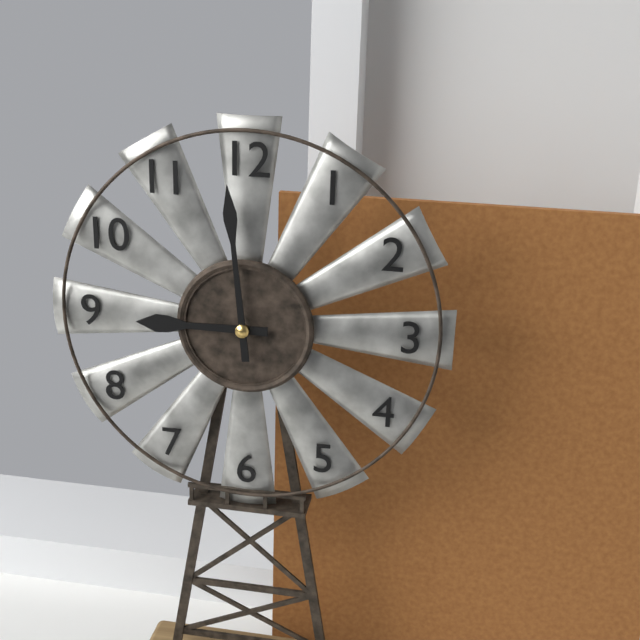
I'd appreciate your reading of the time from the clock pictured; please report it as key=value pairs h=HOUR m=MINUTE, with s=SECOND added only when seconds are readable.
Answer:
h=8 m=59
